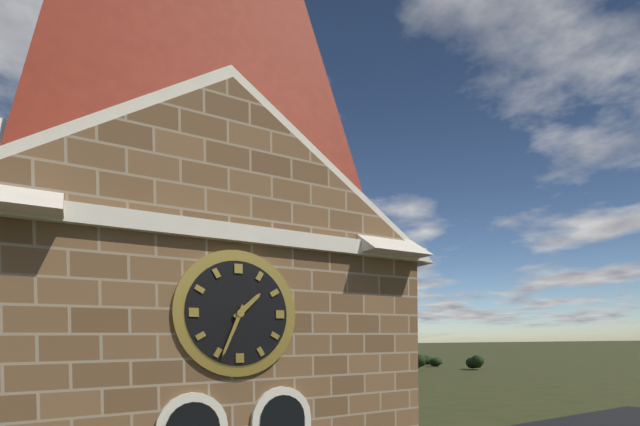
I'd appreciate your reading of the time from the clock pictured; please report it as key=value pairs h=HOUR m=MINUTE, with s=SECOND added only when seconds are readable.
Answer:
h=1 m=34
